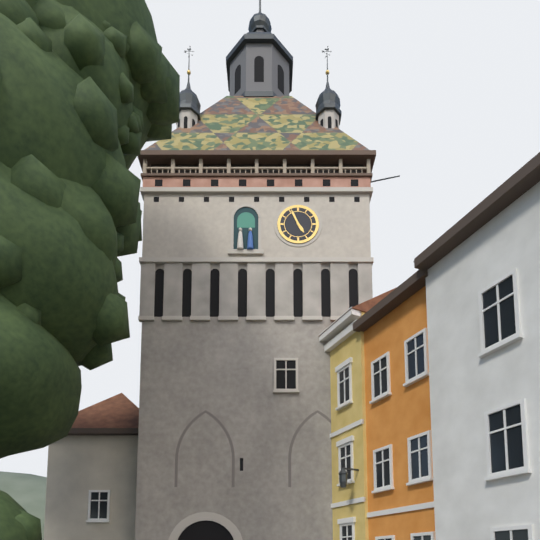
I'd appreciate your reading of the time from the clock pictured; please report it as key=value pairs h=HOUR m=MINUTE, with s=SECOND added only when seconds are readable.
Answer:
h=4 m=56
